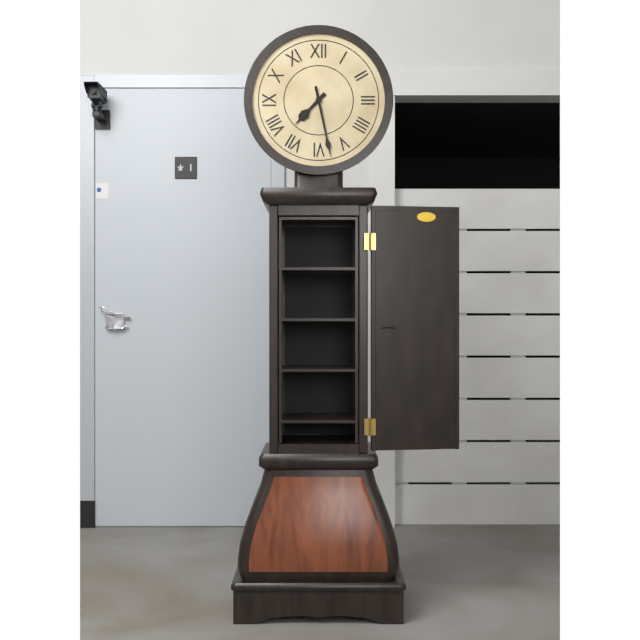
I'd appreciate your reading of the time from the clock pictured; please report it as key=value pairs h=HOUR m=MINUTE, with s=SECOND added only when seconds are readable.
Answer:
h=7 m=28
